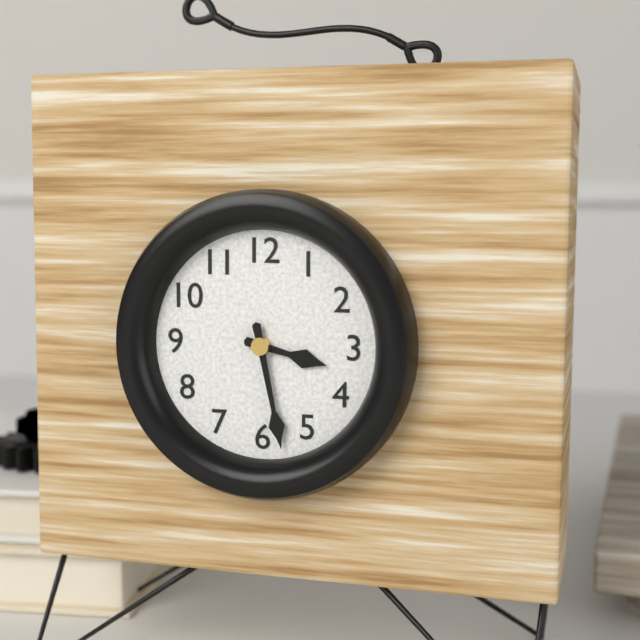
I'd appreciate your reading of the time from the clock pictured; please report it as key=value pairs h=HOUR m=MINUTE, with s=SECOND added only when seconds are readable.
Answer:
h=3 m=28
